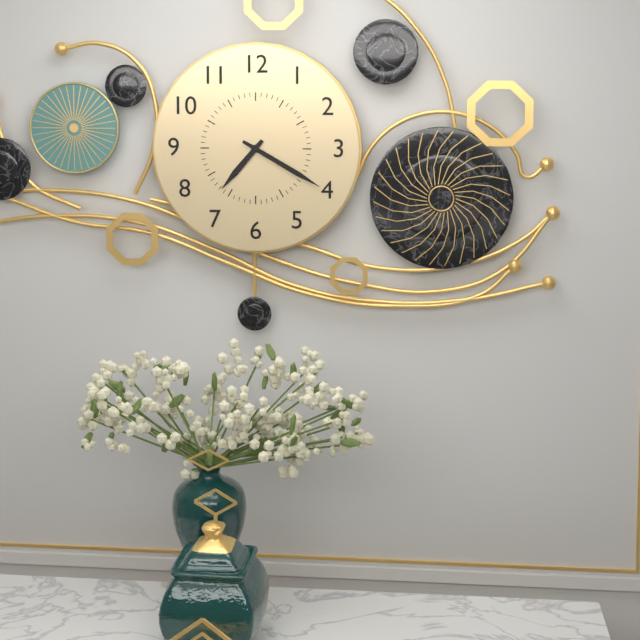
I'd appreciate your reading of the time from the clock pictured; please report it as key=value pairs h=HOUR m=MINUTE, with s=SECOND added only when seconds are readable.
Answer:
h=7 m=20
